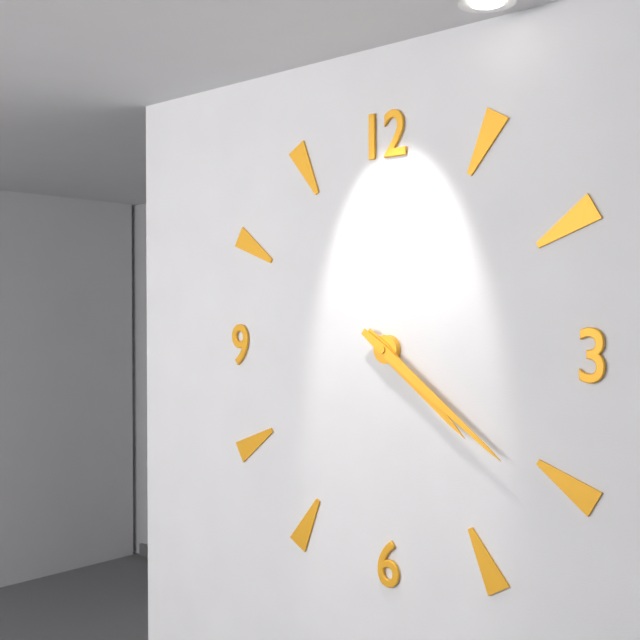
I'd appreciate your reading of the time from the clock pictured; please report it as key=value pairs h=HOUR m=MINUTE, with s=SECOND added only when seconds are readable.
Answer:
h=4 m=21
